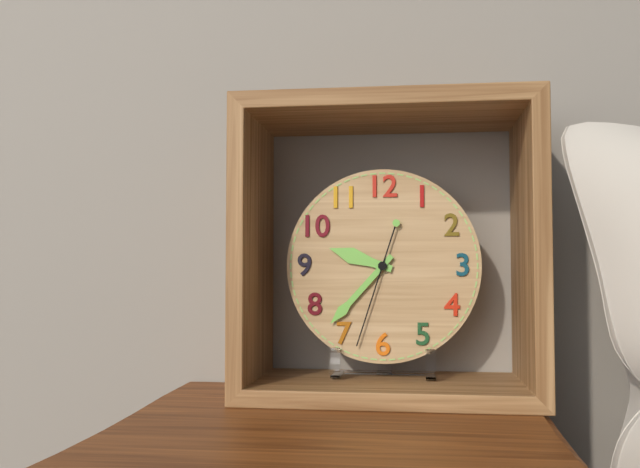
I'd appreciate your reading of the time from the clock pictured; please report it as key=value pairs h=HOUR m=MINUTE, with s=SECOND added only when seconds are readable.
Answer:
h=9 m=37 s=33
